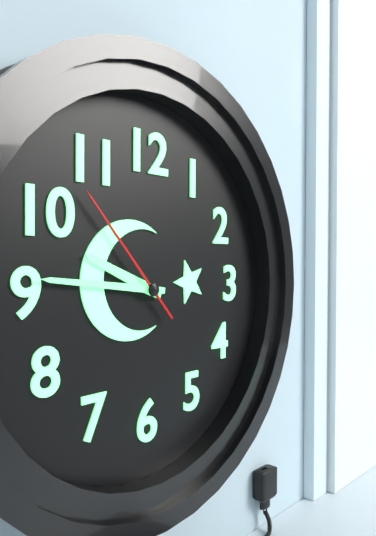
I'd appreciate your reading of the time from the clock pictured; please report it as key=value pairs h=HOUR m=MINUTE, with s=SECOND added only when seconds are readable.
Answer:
h=9 m=46 s=53
